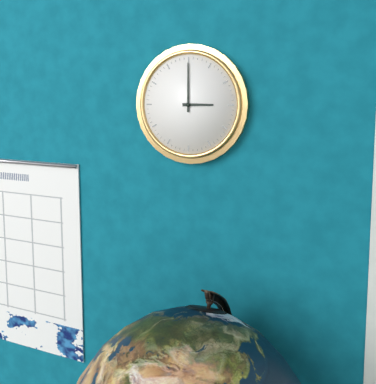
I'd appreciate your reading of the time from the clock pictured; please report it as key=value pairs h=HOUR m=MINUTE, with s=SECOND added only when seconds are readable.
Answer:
h=3 m=0
